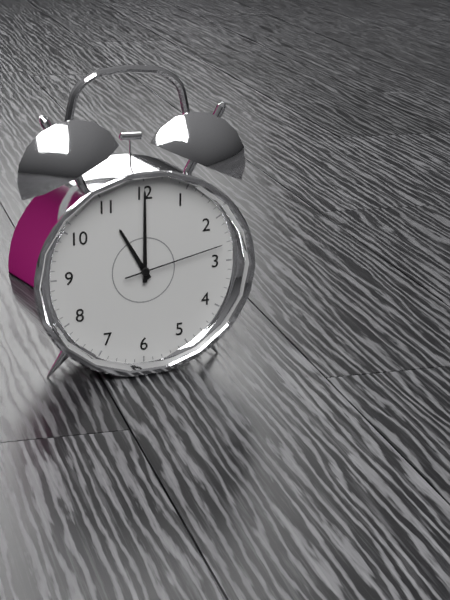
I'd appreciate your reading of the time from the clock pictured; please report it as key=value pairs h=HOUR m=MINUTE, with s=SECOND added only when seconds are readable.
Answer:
h=11 m=0 s=13
